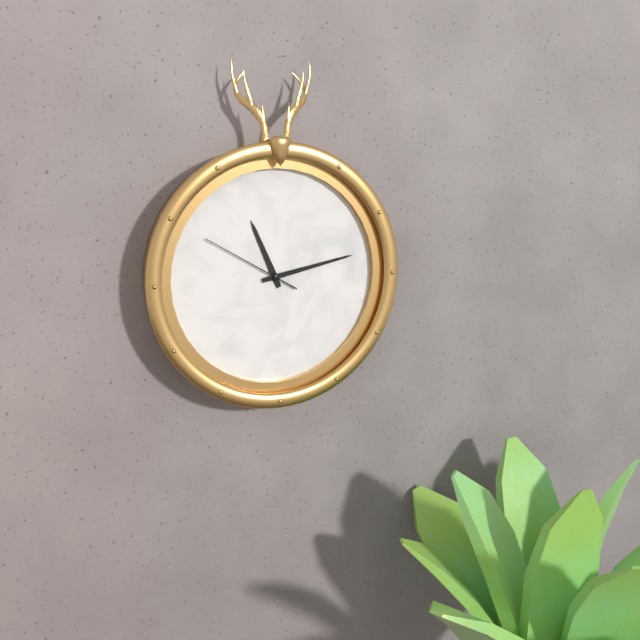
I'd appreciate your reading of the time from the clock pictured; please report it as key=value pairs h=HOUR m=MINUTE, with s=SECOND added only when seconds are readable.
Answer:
h=11 m=13 s=50
